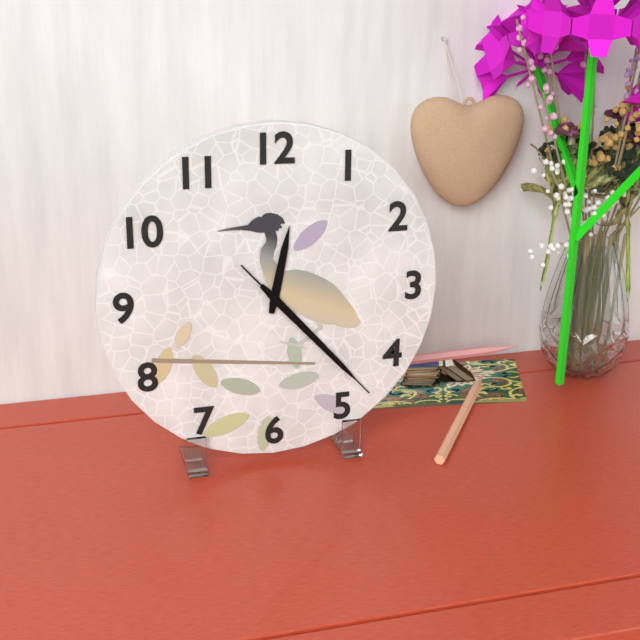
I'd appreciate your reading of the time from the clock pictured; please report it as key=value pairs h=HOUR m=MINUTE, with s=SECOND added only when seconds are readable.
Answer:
h=12 m=23 s=23
